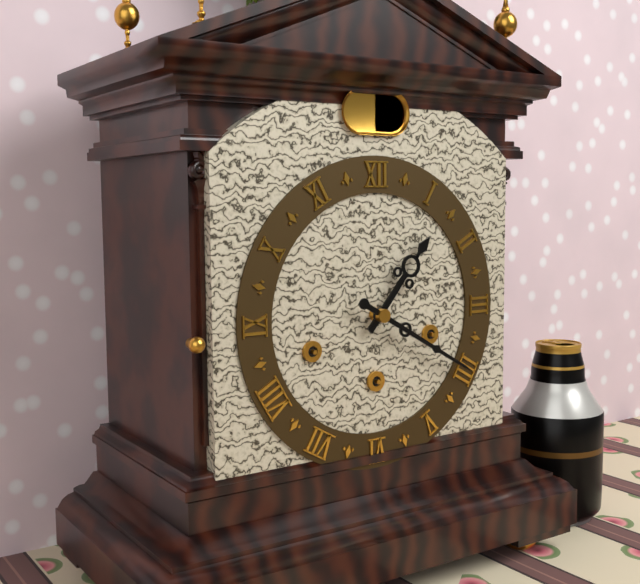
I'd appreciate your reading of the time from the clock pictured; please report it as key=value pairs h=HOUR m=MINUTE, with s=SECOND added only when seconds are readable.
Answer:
h=1 m=20
